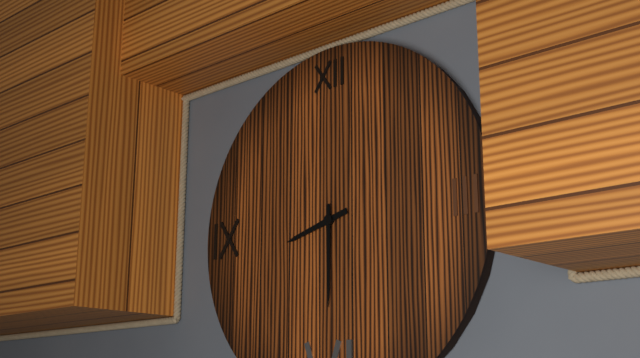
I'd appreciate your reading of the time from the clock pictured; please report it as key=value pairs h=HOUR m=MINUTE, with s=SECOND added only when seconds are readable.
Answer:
h=8 m=30
